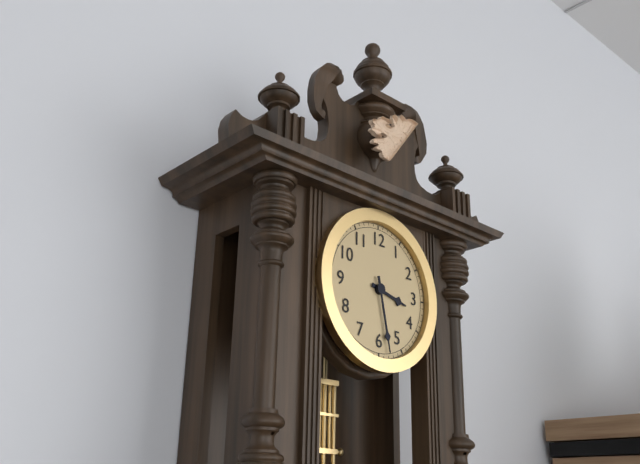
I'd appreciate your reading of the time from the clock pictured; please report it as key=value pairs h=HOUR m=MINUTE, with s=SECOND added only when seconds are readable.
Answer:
h=3 m=28
